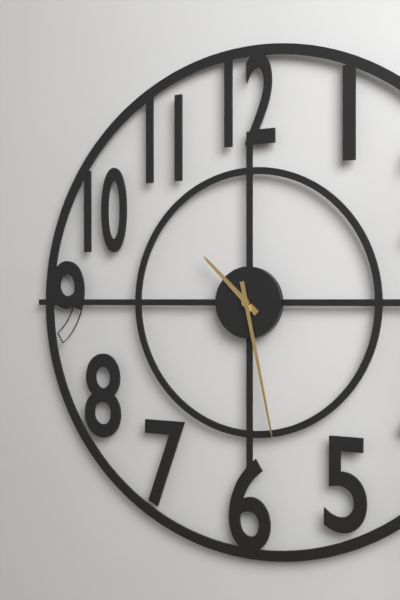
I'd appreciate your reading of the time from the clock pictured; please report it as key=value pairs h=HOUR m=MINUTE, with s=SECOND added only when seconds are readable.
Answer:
h=10 m=28
